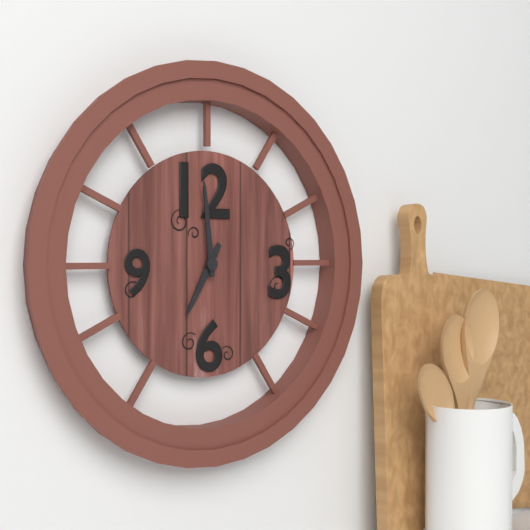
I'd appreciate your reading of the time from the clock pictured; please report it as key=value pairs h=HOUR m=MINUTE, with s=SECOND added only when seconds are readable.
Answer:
h=6 m=59
